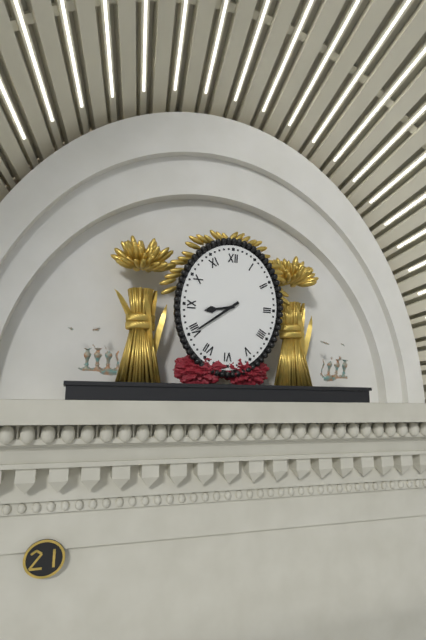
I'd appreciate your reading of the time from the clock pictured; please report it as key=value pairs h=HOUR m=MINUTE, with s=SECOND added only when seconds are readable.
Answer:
h=8 m=39
